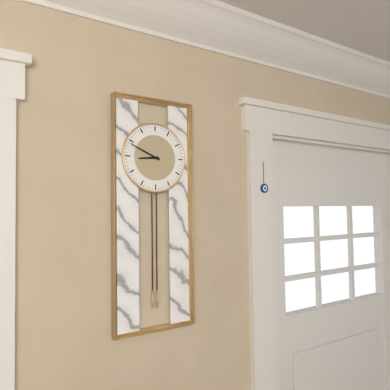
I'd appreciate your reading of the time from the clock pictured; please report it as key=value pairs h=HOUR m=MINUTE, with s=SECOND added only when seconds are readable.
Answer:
h=8 m=49
